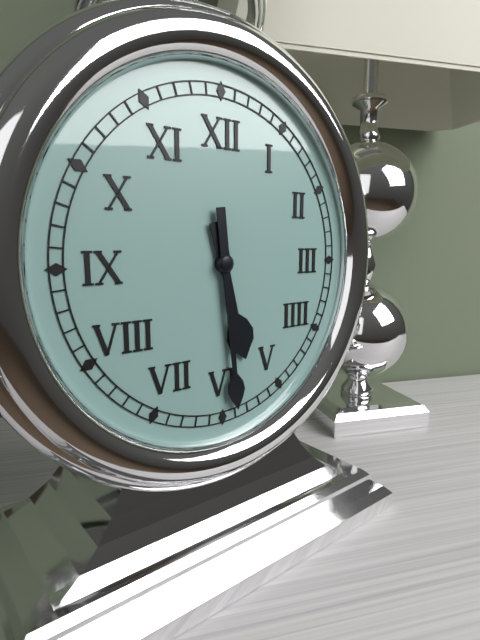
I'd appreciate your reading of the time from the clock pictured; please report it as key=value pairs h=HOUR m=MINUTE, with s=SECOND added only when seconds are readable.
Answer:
h=5 m=29
